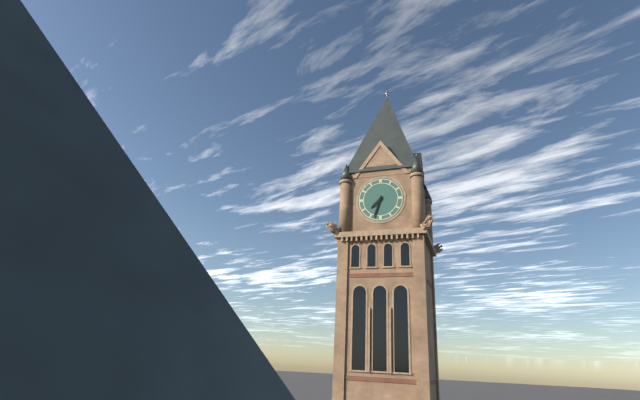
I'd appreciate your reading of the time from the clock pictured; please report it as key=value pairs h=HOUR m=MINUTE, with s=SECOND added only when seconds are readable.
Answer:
h=7 m=33
